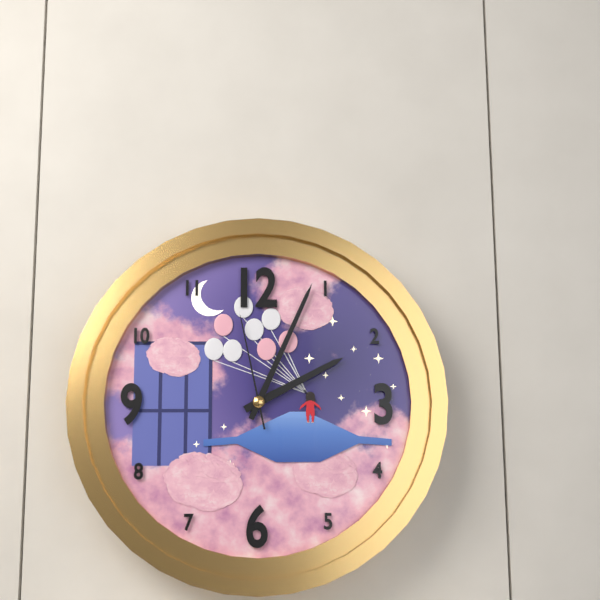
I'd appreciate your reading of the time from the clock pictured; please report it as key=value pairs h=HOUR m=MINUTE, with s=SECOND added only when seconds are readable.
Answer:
h=2 m=4 s=58
